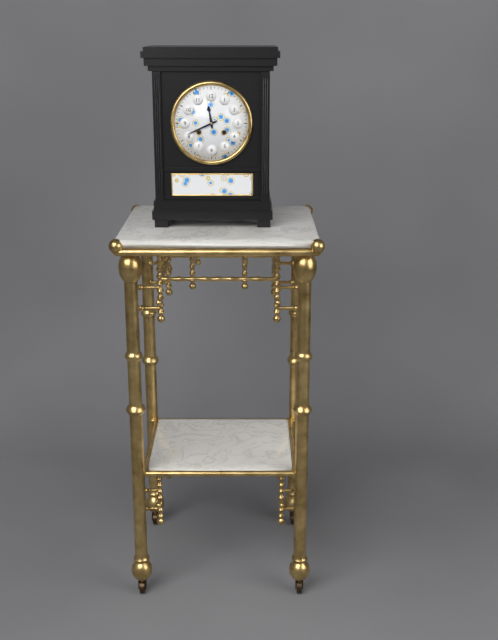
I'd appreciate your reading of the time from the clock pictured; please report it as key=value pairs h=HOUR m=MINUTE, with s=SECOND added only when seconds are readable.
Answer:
h=11 m=41
